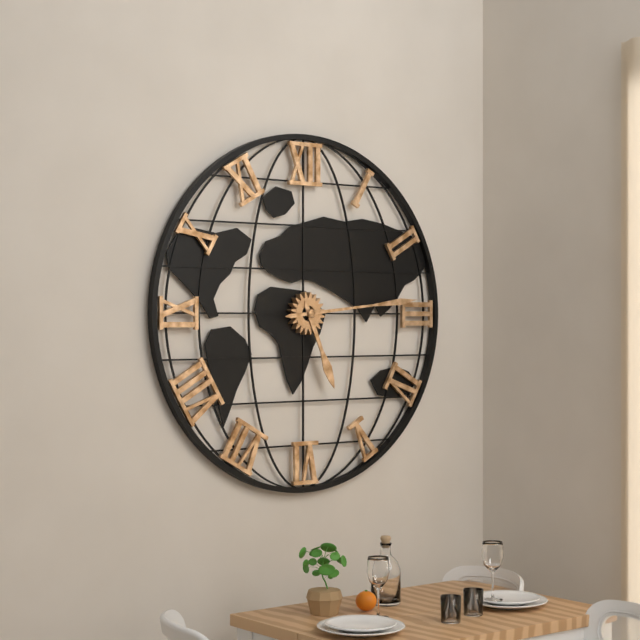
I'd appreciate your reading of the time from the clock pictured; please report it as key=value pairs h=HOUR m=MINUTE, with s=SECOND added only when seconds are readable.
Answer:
h=5 m=14
